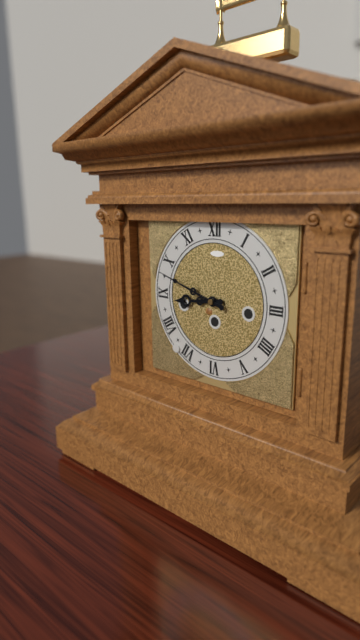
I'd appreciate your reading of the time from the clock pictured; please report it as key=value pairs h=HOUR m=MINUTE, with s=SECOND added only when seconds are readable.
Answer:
h=8 m=48
